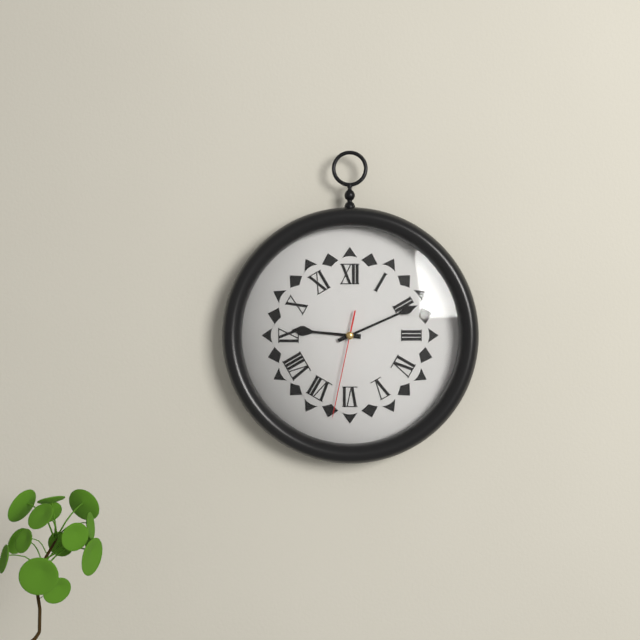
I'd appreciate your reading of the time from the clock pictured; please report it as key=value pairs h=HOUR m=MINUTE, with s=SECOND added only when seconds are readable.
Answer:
h=9 m=11 s=32
